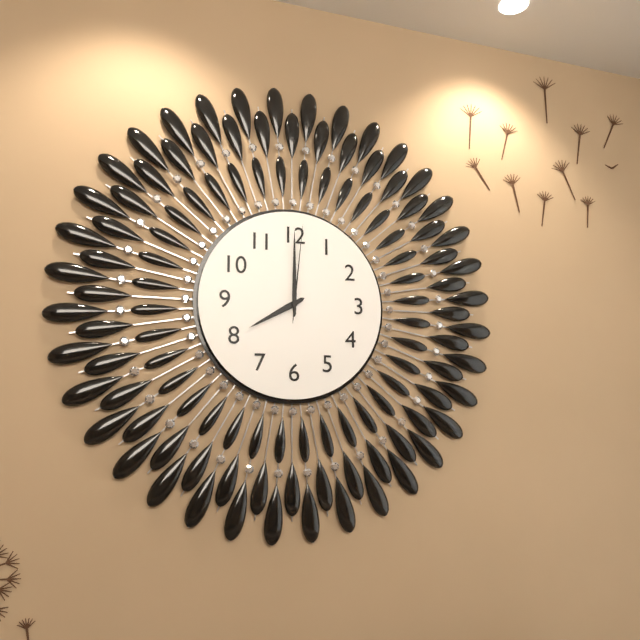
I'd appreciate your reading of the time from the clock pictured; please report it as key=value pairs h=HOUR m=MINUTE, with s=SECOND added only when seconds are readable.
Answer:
h=8 m=0 s=1
